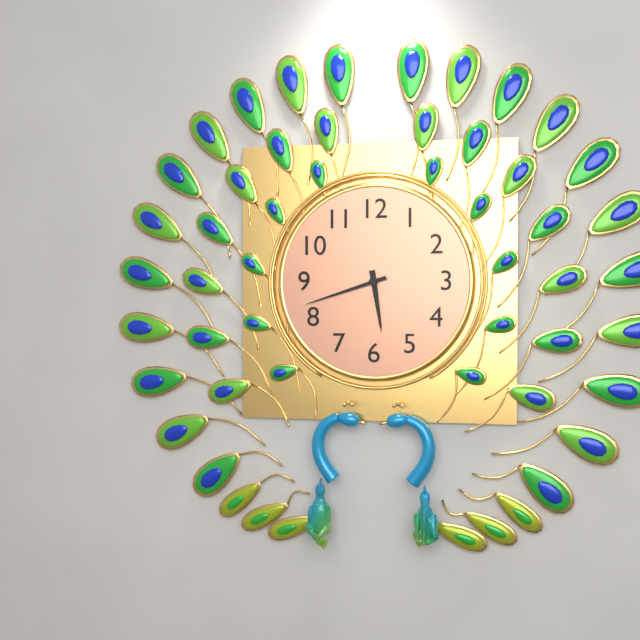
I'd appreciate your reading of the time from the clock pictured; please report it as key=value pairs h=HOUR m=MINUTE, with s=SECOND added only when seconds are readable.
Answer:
h=5 m=42
